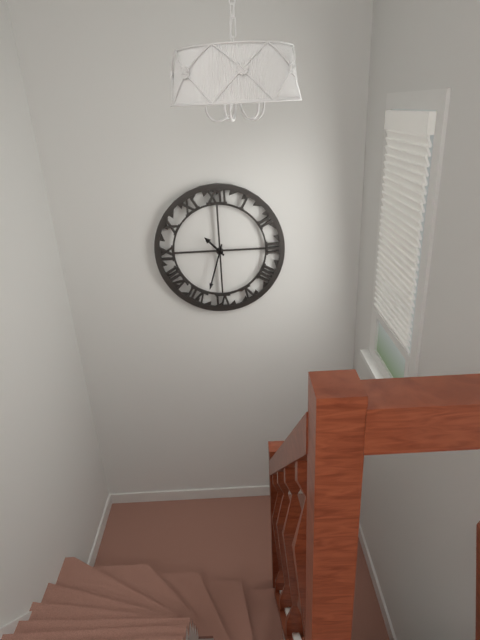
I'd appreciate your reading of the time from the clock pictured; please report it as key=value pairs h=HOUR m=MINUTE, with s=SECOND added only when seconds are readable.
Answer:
h=10 m=33
